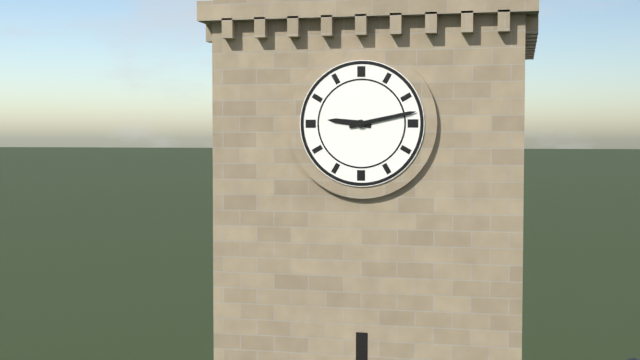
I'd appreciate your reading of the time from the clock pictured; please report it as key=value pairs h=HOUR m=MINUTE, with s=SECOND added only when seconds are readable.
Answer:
h=9 m=13
